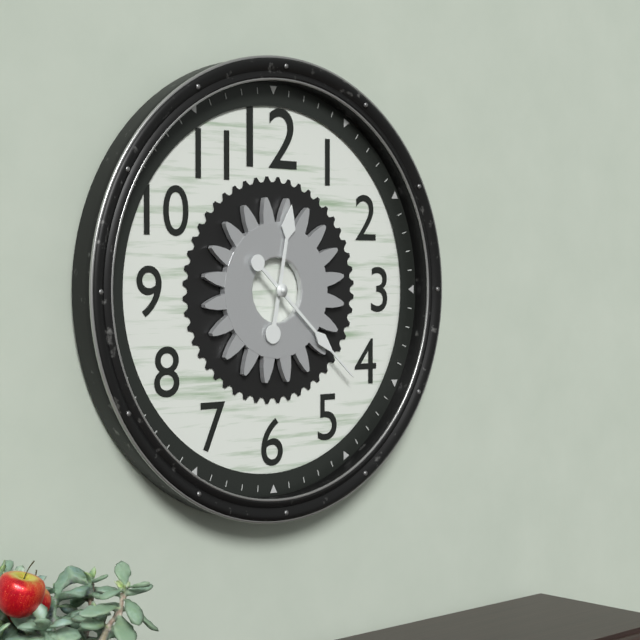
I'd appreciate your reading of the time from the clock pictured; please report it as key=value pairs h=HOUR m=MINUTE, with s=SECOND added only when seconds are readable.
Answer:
h=12 m=22
